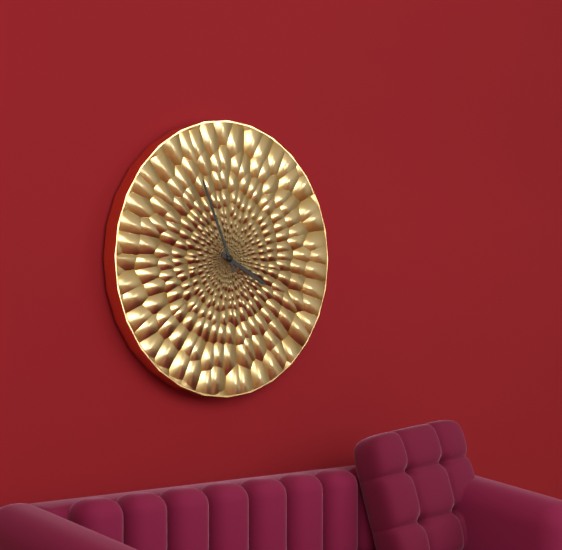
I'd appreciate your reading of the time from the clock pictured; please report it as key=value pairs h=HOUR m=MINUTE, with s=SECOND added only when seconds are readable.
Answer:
h=3 m=56
